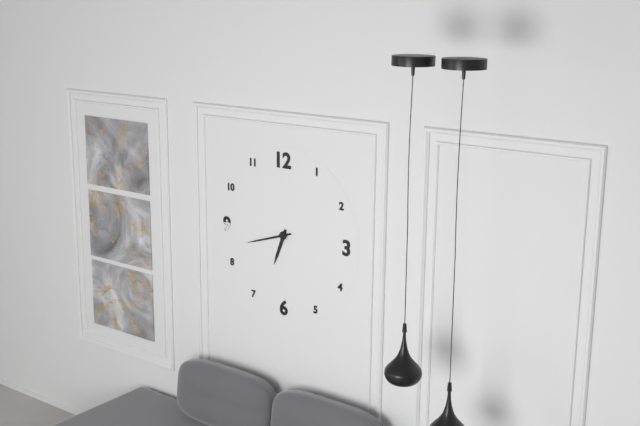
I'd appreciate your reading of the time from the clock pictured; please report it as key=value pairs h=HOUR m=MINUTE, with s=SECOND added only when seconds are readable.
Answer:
h=6 m=42
